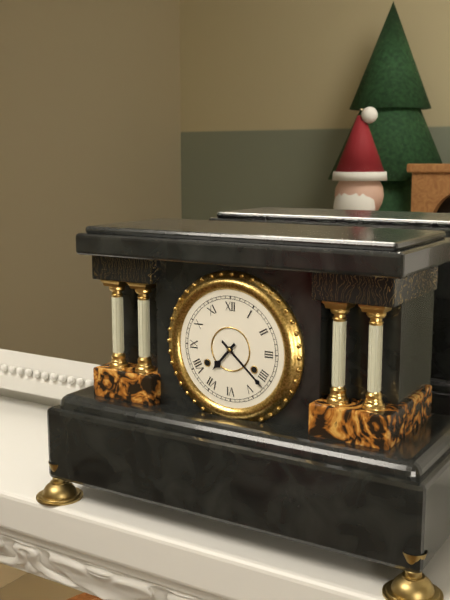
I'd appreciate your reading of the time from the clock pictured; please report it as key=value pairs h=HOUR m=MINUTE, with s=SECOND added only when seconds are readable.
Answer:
h=7 m=22
